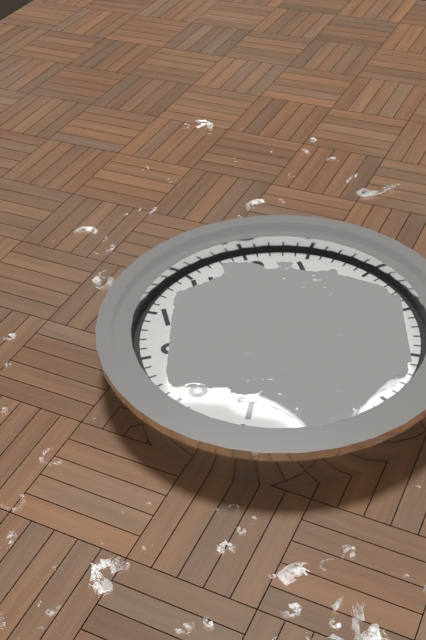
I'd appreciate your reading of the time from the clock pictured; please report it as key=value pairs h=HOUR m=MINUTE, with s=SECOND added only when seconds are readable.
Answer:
h=11 m=28
